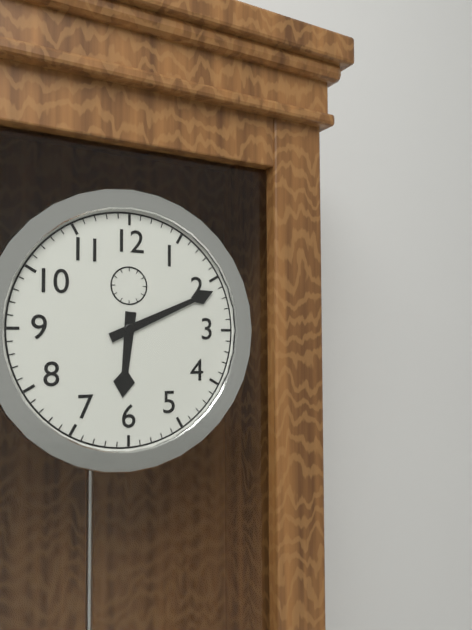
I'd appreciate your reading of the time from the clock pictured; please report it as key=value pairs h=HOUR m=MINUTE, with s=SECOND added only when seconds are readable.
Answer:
h=6 m=11
